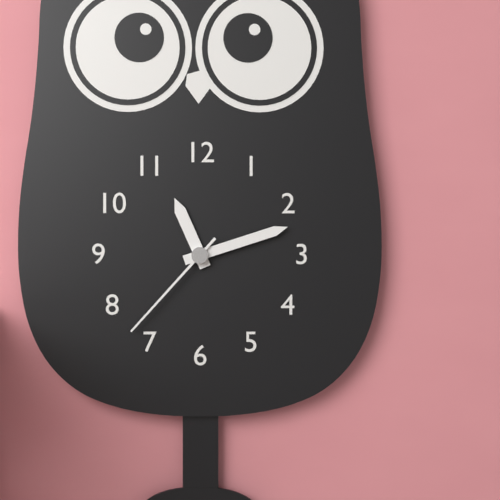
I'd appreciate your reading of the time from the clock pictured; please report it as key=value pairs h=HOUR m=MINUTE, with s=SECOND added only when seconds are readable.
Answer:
h=11 m=12 s=37
